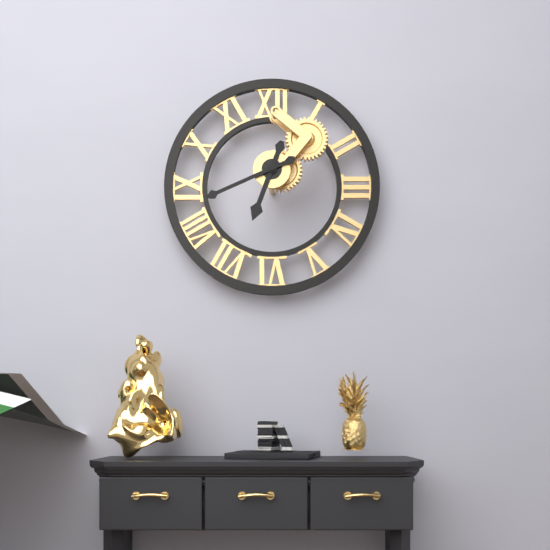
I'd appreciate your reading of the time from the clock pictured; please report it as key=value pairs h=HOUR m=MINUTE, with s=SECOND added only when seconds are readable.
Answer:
h=6 m=41
